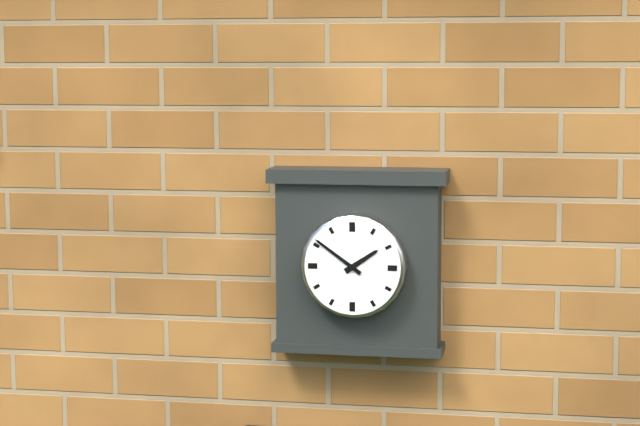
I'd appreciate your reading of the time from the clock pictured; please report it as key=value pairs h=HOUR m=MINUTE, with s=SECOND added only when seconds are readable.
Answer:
h=1 m=51
